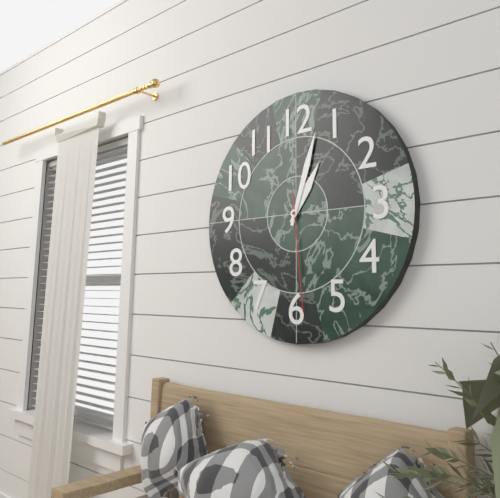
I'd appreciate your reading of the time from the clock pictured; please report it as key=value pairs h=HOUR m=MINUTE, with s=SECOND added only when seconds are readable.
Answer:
h=1 m=3 s=29
